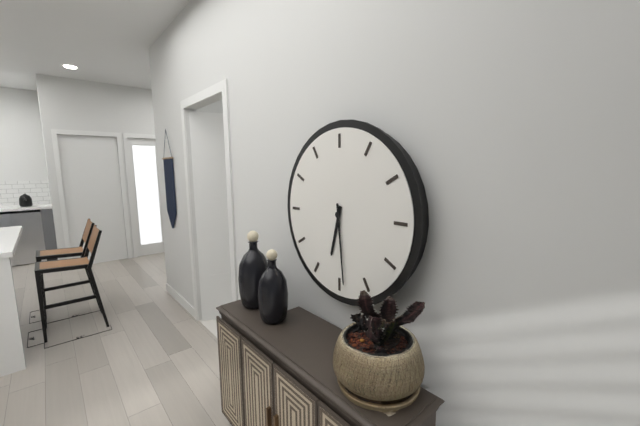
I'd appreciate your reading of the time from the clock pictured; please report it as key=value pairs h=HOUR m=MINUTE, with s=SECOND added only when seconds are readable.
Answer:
h=6 m=29
